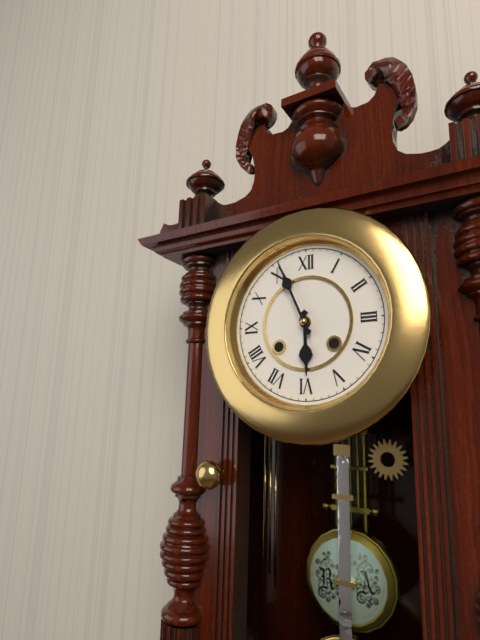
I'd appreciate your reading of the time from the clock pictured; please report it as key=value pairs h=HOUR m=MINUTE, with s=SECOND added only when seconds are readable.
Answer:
h=5 m=56
